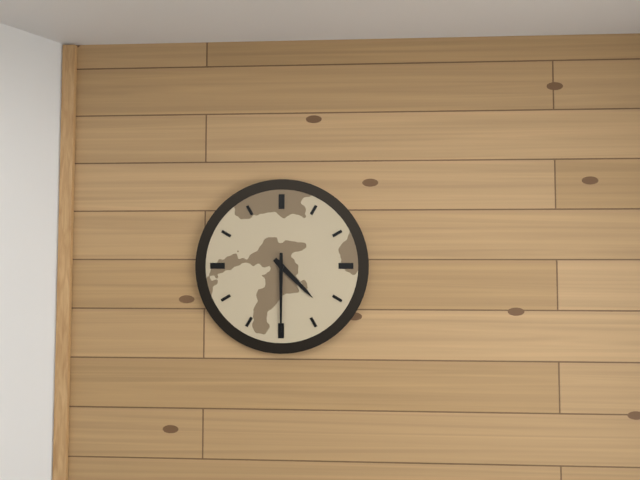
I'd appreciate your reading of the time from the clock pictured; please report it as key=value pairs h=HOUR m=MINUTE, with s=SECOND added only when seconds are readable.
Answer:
h=4 m=30
